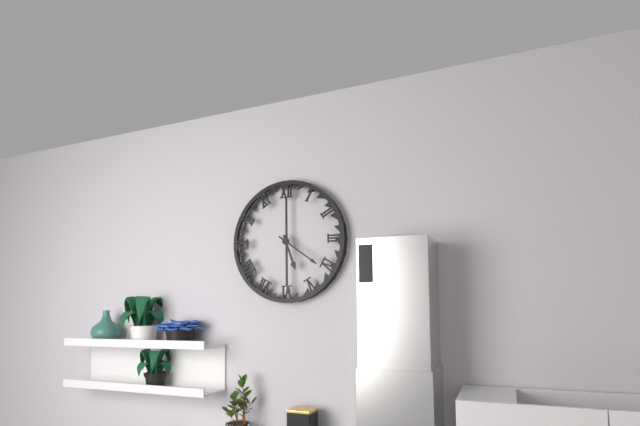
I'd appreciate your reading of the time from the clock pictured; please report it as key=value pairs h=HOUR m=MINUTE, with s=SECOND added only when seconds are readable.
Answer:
h=5 m=21
